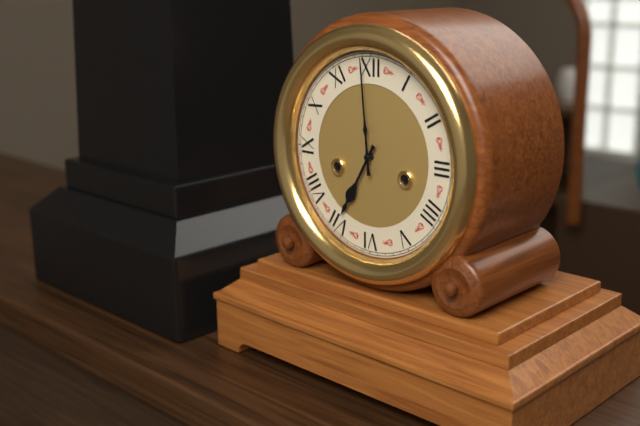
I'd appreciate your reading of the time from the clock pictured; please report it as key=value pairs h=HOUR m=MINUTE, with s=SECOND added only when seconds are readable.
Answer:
h=6 m=59
